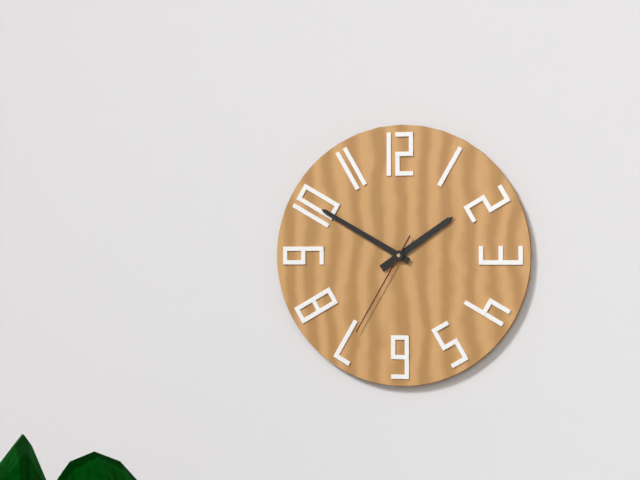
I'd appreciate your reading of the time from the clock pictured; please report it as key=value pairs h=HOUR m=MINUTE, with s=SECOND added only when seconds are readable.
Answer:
h=1 m=50 s=35
